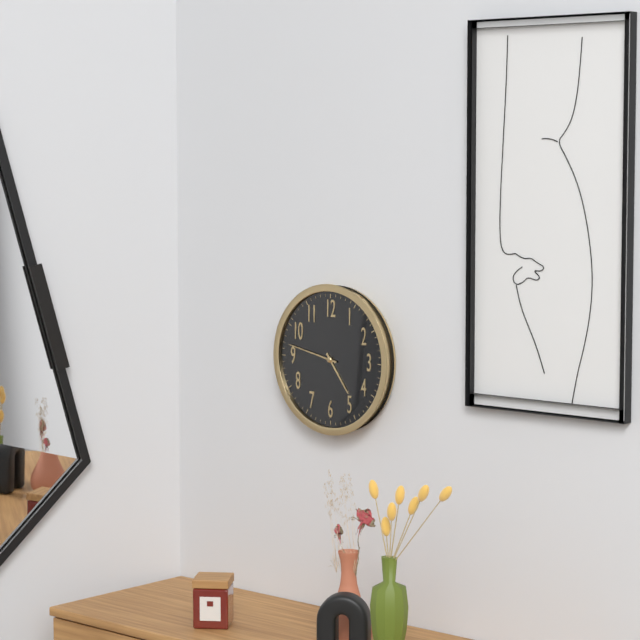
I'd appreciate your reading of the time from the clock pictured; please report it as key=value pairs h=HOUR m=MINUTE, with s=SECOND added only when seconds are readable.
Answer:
h=4 m=47
